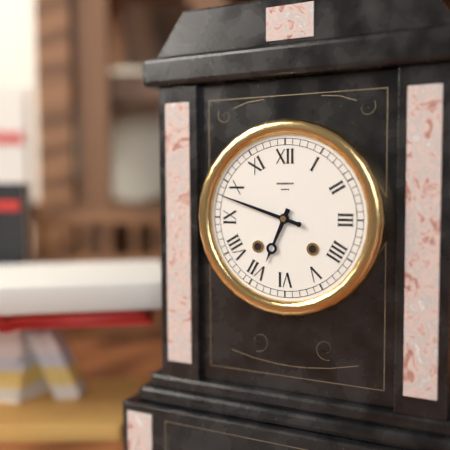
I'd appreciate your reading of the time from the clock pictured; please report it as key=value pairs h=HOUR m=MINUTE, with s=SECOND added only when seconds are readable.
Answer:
h=6 m=48
